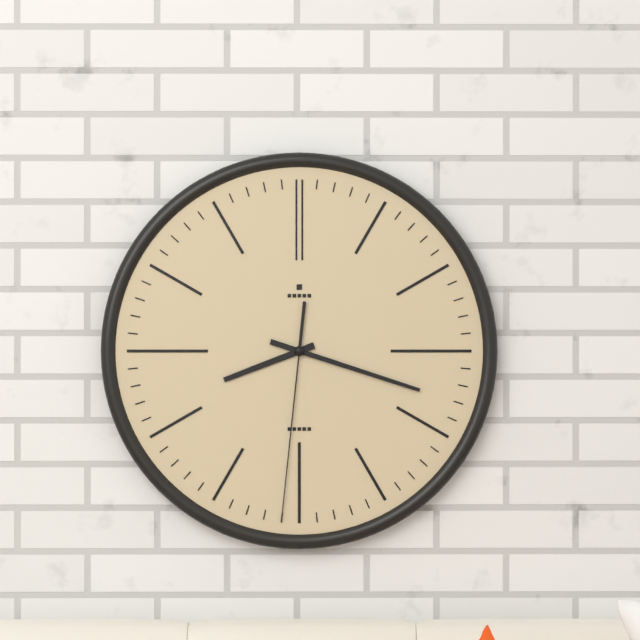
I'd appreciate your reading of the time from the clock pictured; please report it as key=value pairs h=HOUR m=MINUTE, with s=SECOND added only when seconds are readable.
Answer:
h=8 m=18 s=31
